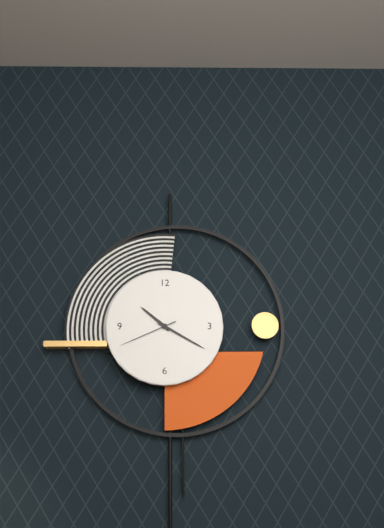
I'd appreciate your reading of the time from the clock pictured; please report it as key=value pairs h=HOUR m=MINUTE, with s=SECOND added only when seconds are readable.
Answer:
h=10 m=20 s=41
